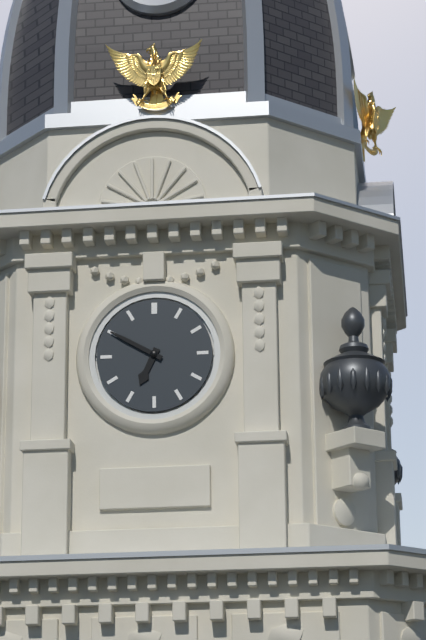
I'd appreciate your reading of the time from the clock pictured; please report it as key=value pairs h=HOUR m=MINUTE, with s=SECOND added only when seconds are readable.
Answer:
h=6 m=50
